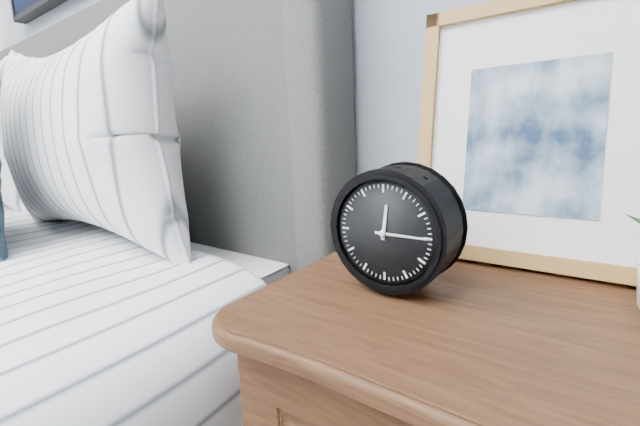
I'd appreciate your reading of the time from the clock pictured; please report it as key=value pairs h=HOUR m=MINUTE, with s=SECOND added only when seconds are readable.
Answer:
h=12 m=15
